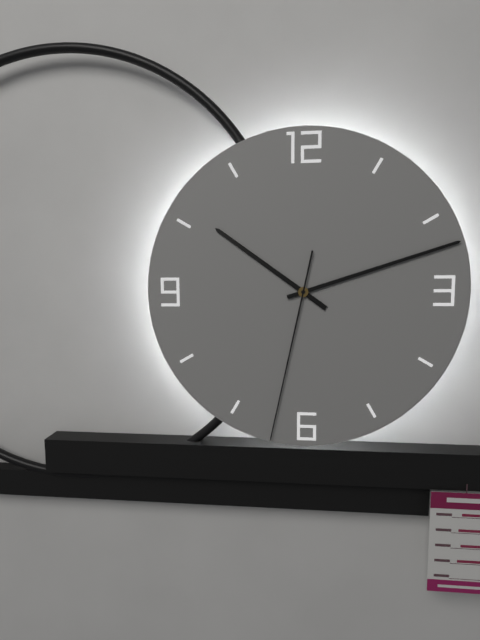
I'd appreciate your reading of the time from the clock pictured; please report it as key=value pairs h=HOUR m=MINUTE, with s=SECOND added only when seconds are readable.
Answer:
h=10 m=12 s=32
